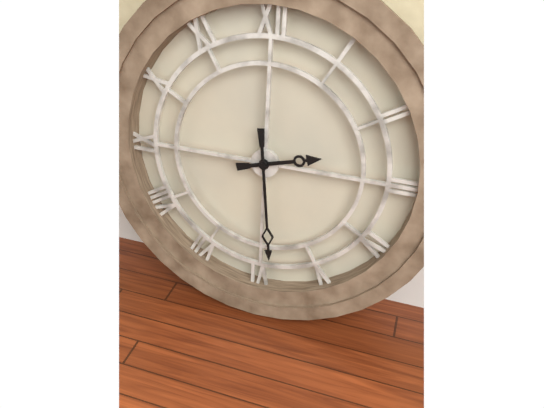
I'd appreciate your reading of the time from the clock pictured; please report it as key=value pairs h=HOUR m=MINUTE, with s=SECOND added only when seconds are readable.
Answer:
h=2 m=29
